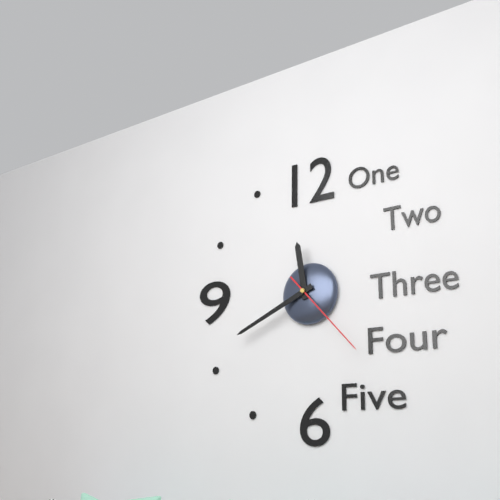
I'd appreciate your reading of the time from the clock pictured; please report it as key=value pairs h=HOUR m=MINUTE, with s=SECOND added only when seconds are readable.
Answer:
h=11 m=41 s=23
